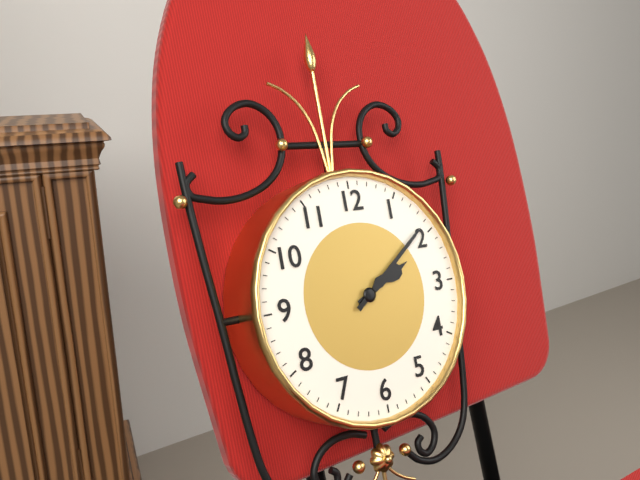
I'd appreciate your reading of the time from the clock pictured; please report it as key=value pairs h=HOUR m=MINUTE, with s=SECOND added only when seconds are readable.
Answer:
h=2 m=9
